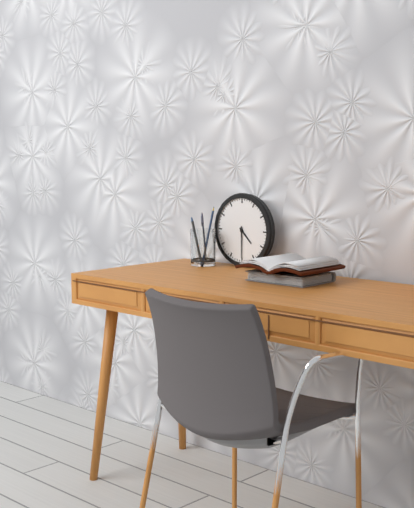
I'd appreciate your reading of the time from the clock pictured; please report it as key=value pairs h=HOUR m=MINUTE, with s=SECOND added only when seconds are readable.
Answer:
h=4 m=30
